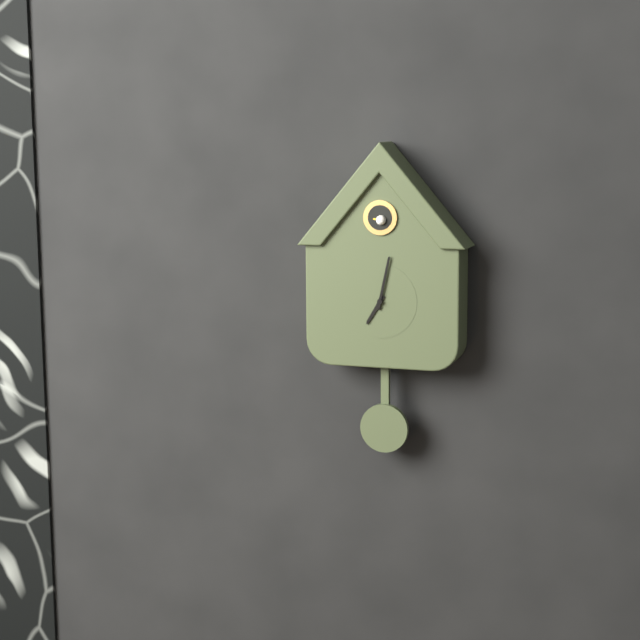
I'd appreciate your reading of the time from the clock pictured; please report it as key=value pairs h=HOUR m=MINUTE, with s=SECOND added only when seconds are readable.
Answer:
h=7 m=2
